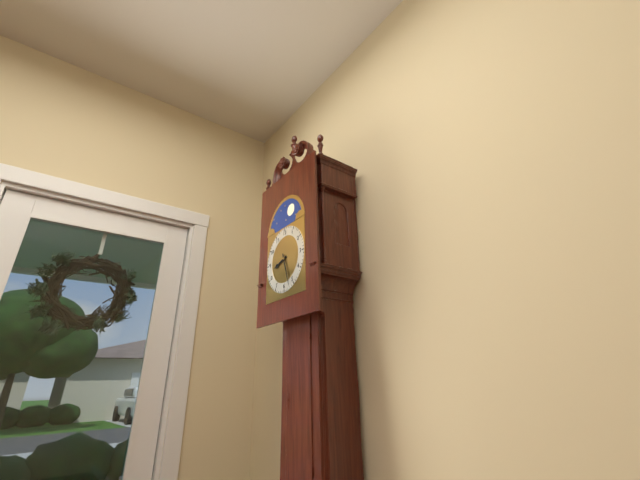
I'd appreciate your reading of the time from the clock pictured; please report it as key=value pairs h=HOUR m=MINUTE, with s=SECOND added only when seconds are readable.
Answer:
h=8 m=27
